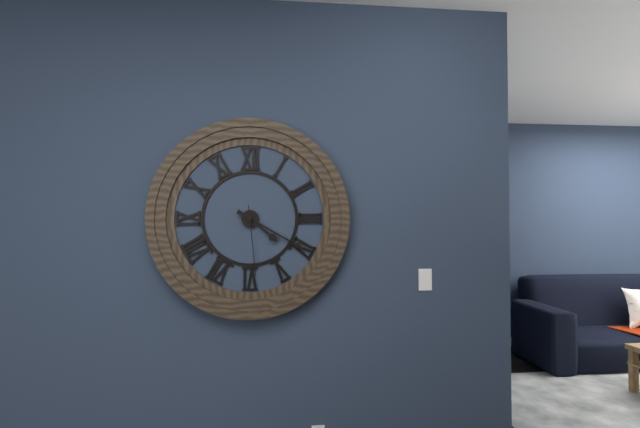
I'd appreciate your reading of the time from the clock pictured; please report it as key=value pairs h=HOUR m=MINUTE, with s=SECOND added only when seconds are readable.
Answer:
h=4 m=20 s=29
